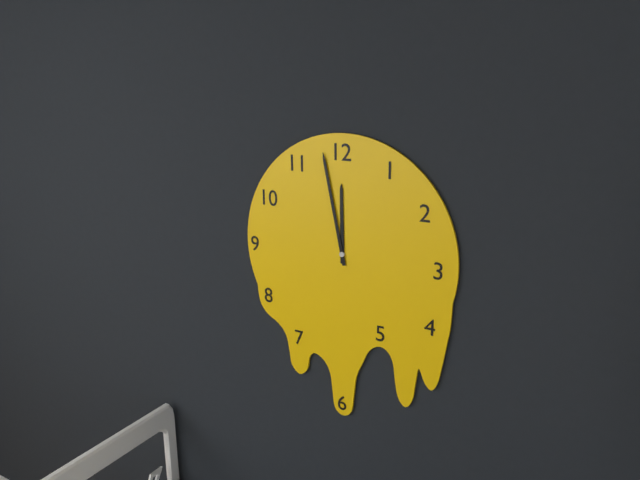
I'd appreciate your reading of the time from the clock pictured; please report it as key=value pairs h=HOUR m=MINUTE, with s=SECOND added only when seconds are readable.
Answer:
h=11 m=58
